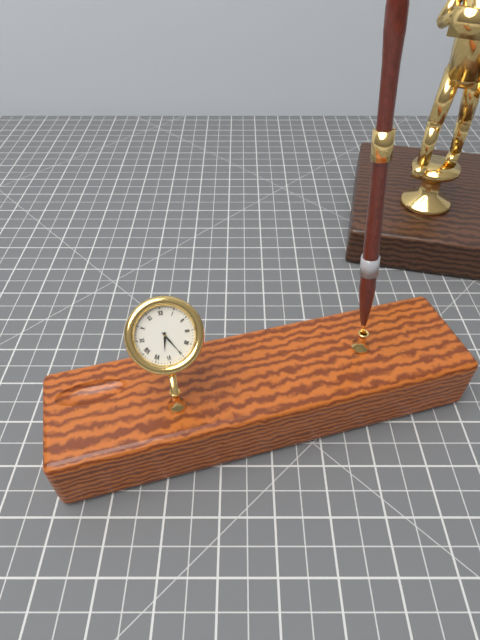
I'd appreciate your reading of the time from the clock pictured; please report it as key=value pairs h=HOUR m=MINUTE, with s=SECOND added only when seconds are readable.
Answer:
h=6 m=25
